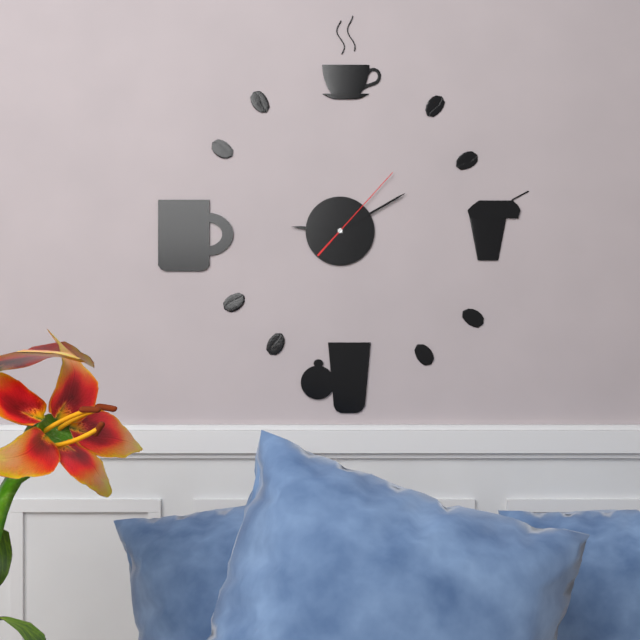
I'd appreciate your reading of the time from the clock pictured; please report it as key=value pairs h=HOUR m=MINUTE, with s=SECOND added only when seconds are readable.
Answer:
h=9 m=10 s=7
